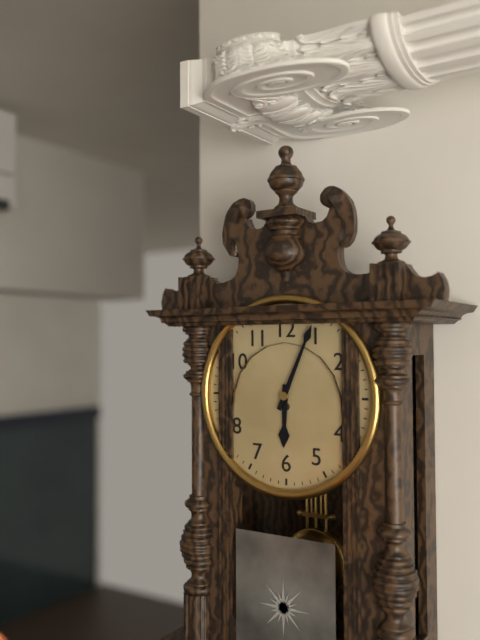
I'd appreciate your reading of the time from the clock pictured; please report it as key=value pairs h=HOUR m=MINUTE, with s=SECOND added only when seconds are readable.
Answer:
h=6 m=4
